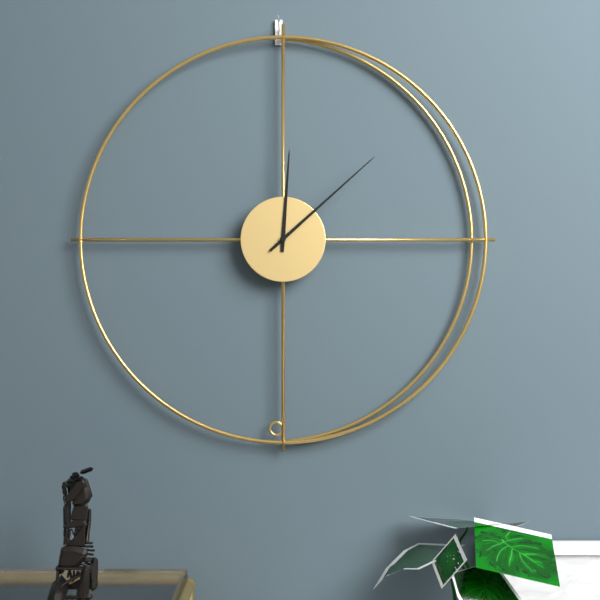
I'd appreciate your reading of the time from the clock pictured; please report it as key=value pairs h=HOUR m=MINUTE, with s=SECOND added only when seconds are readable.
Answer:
h=12 m=8
